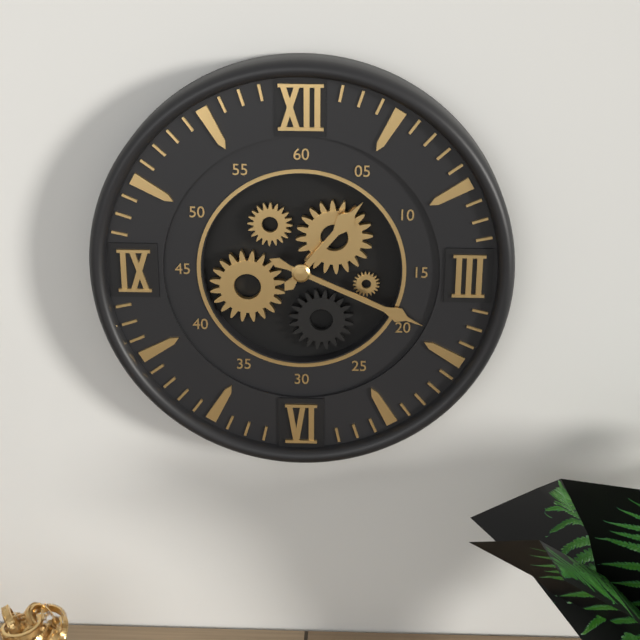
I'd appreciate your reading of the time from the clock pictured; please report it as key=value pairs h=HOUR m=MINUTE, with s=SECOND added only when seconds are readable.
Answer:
h=1 m=19
